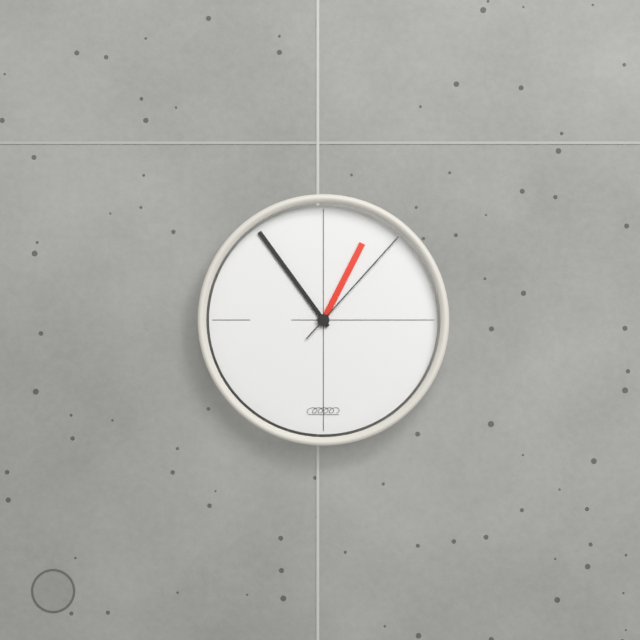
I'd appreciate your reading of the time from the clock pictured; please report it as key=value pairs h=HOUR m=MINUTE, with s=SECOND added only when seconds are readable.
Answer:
h=12 m=54 s=7
